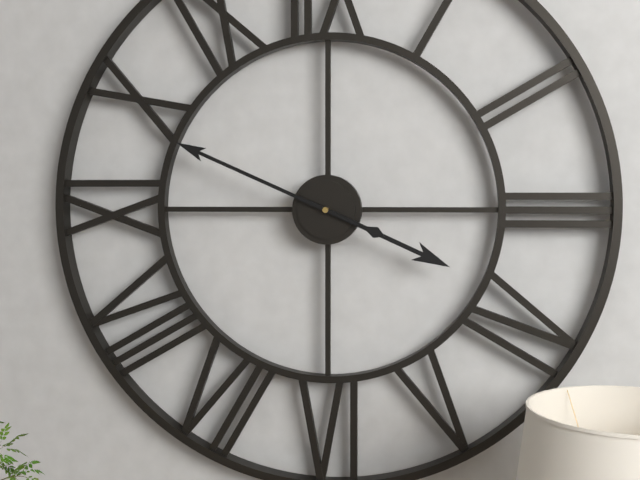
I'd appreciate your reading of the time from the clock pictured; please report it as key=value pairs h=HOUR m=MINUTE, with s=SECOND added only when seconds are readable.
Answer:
h=3 m=49
